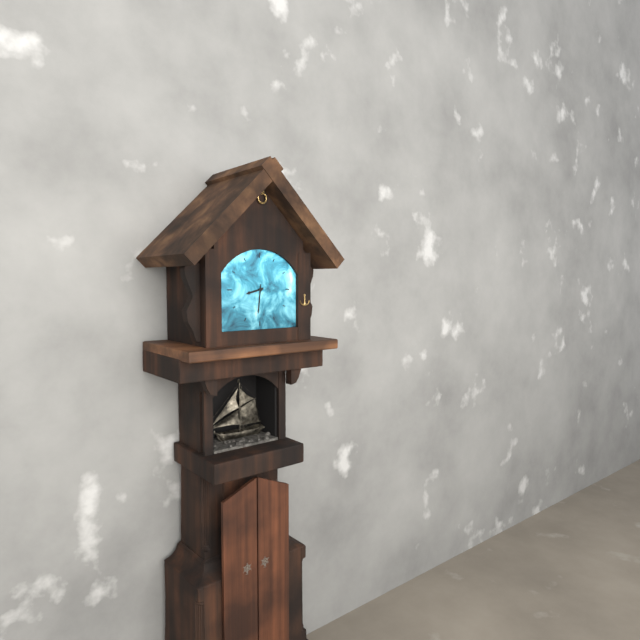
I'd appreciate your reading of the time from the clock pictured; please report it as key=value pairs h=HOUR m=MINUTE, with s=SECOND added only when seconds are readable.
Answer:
h=8 m=31
